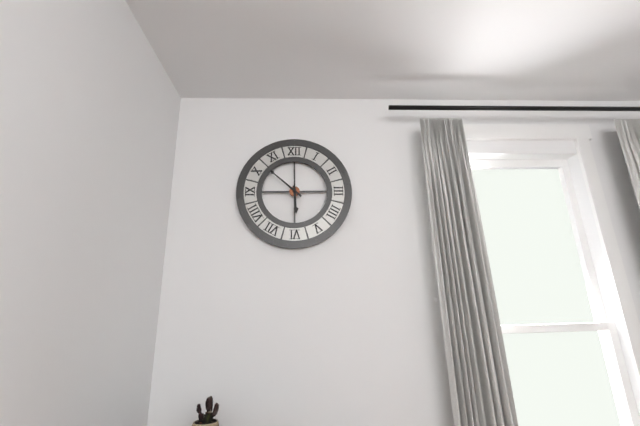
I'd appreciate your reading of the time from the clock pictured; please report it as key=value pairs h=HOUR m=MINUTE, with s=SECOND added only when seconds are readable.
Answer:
h=5 m=52
